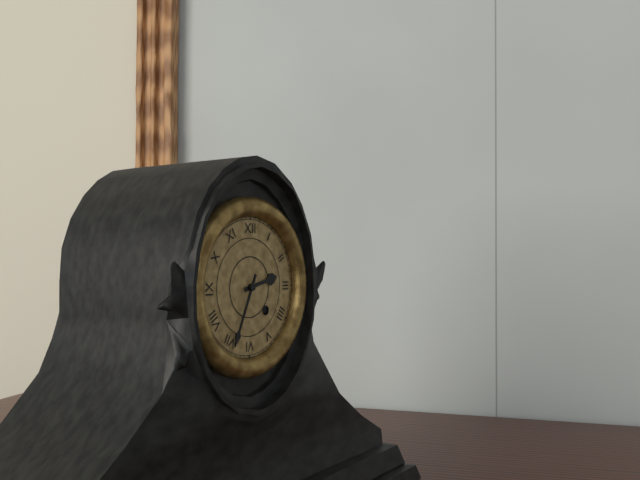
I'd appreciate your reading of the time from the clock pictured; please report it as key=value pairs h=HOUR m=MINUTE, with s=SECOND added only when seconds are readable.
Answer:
h=2 m=34
